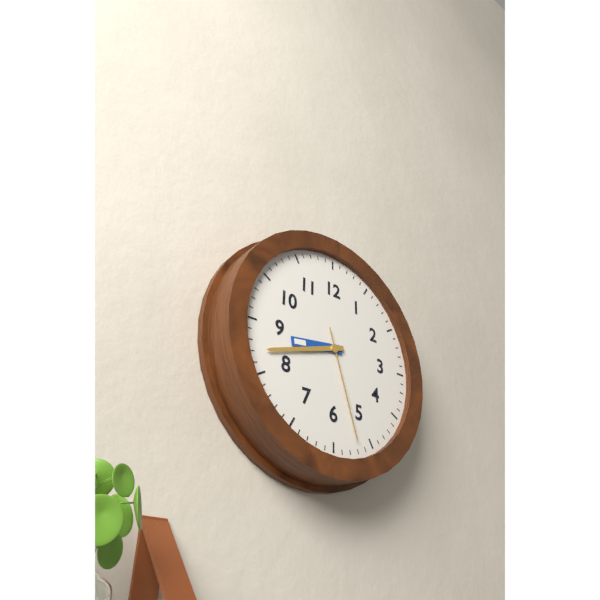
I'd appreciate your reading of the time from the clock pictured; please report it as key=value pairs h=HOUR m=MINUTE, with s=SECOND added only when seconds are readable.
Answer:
h=8 m=42 s=27
